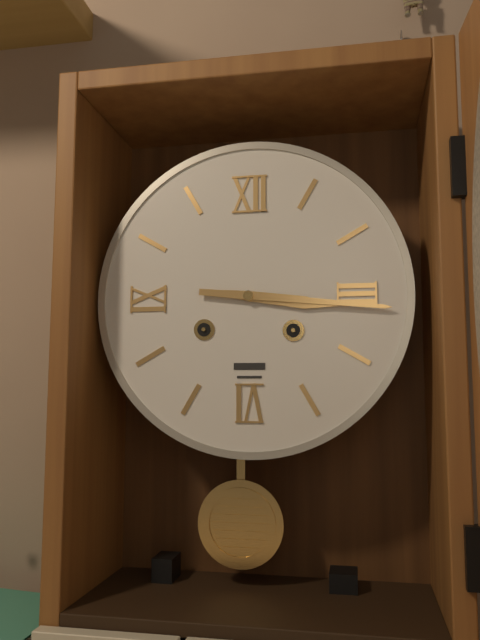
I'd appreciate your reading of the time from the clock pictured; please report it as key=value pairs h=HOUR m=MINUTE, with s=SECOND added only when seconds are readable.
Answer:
h=3 m=16
